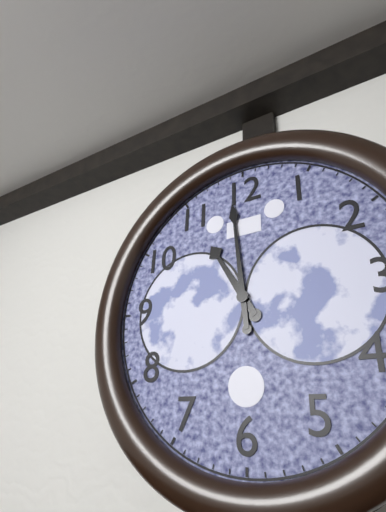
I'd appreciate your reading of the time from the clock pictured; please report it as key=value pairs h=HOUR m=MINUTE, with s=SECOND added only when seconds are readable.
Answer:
h=10 m=59
